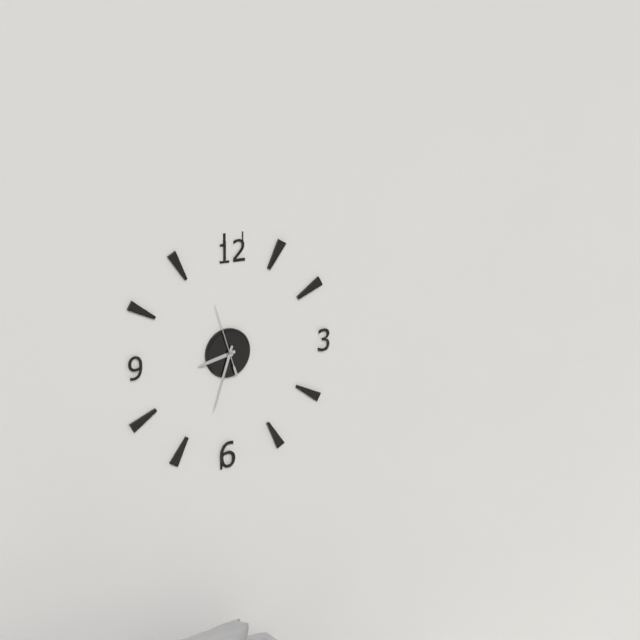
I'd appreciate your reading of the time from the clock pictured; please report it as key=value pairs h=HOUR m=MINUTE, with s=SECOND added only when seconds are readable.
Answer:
h=8 m=33 s=57
